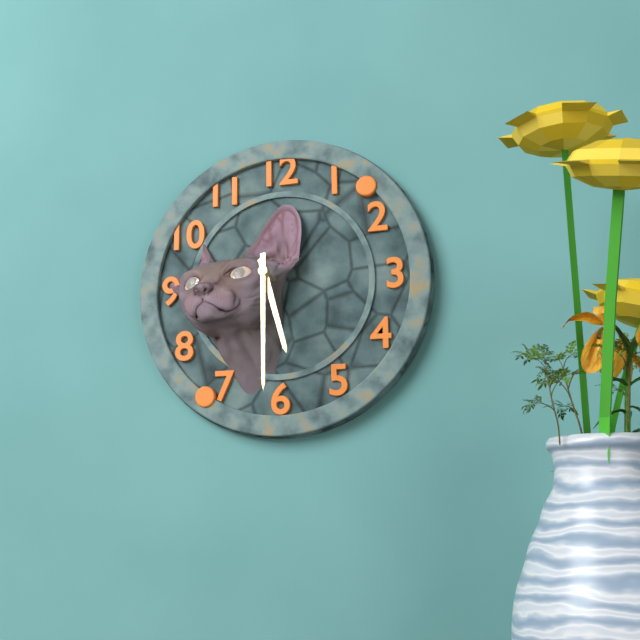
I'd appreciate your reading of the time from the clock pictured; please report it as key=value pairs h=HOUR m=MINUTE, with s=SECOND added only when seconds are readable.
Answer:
h=5 m=30
